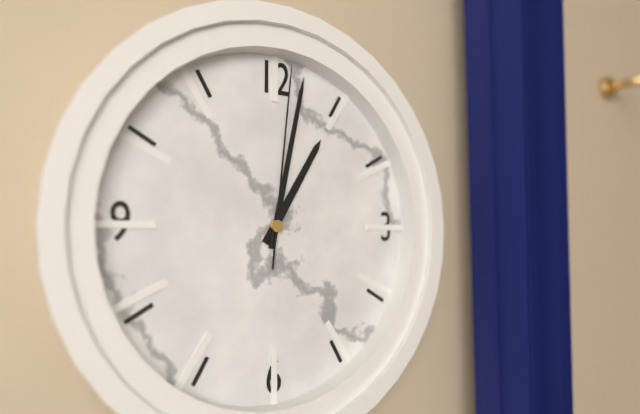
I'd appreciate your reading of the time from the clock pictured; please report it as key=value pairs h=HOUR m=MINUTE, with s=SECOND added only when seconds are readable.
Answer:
h=1 m=2 s=1
